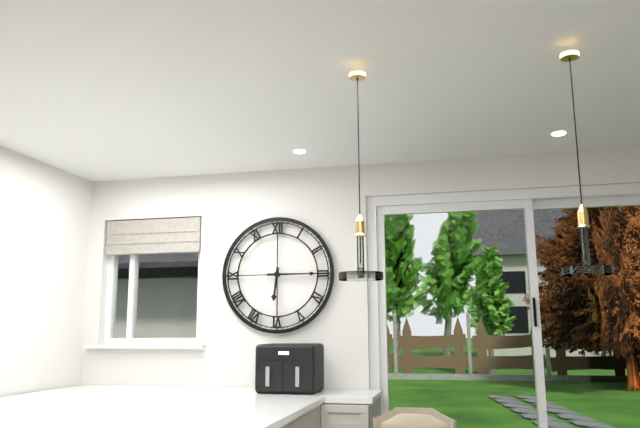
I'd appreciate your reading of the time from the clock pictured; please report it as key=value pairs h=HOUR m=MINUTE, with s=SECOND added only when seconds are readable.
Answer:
h=6 m=15
